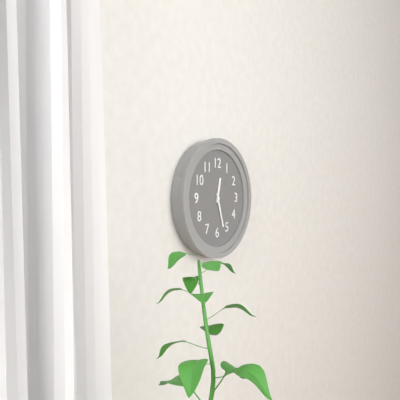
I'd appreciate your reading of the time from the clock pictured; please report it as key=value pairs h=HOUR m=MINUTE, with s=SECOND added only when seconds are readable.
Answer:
h=12 m=27
